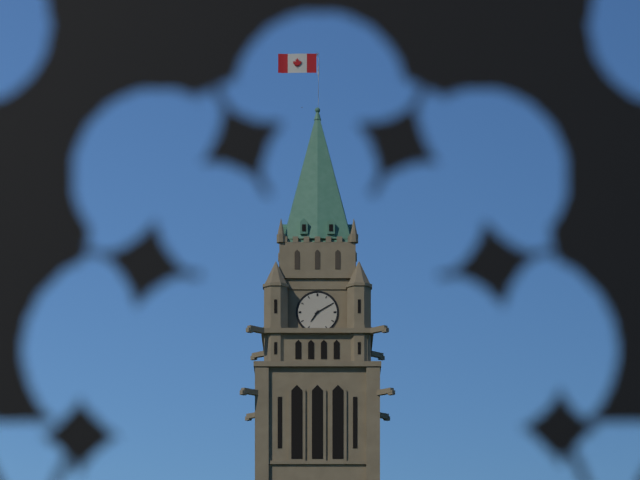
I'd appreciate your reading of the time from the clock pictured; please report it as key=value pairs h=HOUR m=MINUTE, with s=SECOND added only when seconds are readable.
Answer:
h=7 m=10
